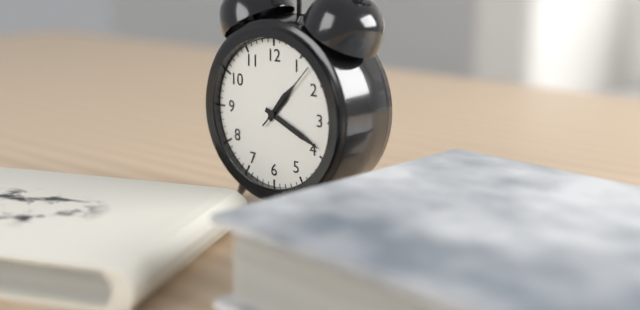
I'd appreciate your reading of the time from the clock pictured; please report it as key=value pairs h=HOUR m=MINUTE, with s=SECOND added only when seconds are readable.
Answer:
h=1 m=19 s=7
